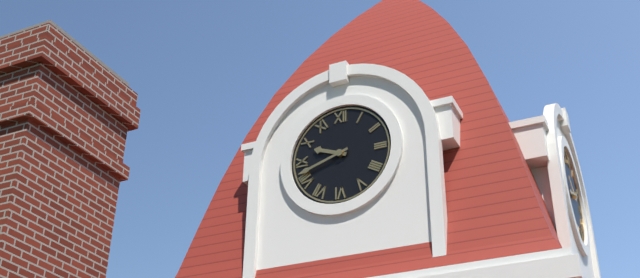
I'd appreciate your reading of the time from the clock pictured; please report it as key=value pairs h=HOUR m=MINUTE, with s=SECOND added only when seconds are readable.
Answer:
h=9 m=42
